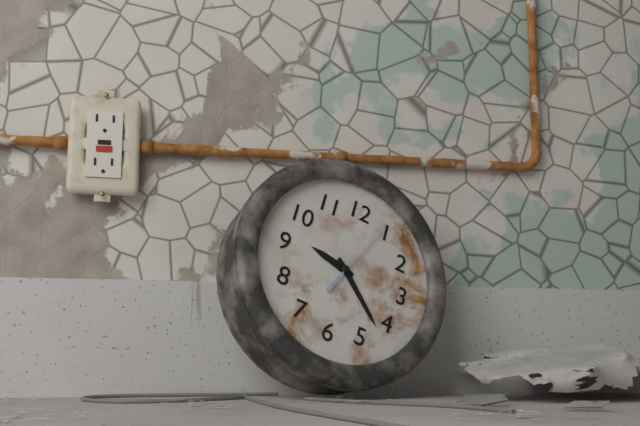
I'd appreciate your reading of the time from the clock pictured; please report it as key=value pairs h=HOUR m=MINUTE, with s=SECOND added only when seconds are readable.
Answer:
h=9 m=22 s=4
